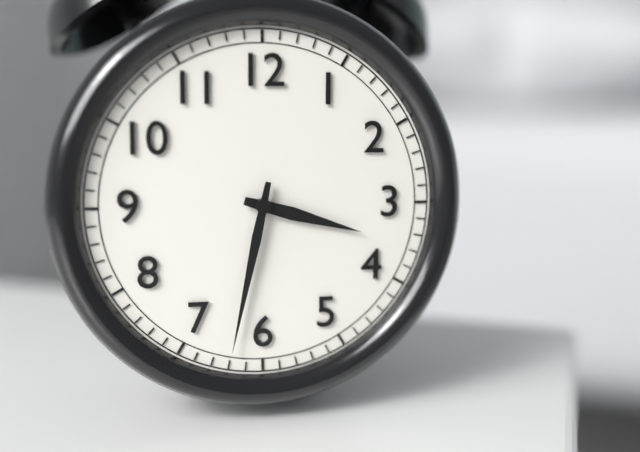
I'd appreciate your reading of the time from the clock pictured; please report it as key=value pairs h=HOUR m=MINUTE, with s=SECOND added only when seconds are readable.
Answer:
h=3 m=32
